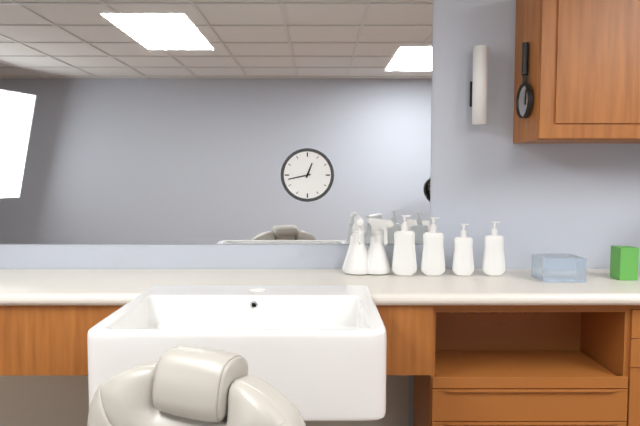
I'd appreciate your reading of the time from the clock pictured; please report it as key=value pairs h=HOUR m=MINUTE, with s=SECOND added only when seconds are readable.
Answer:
h=12 m=43
